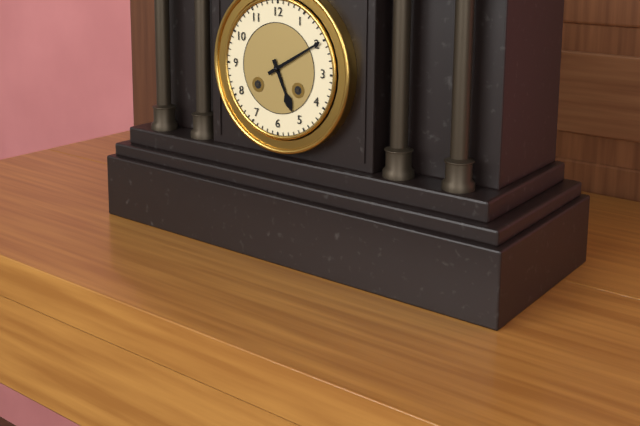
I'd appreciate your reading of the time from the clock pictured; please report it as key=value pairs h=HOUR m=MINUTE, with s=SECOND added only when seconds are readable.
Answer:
h=5 m=10
